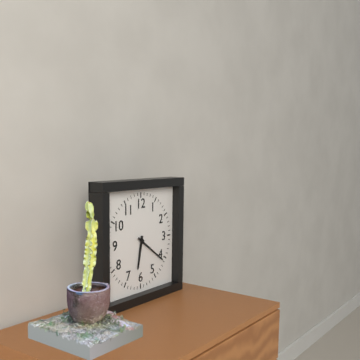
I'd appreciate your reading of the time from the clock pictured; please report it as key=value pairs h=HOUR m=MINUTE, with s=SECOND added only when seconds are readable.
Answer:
h=6 m=21
